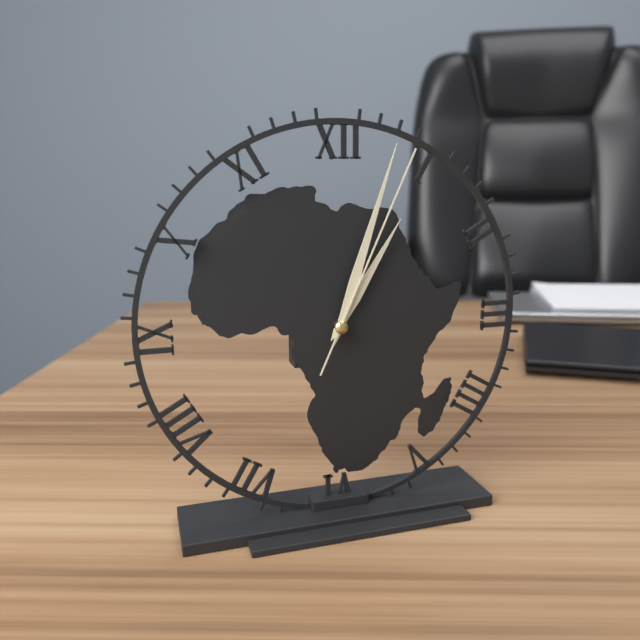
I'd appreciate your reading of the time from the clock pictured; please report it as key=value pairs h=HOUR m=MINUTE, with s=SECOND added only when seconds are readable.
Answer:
h=1 m=3 s=4
